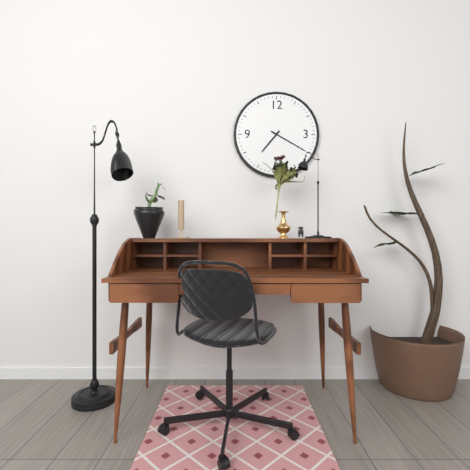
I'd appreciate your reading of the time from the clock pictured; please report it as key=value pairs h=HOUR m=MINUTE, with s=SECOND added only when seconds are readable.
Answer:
h=7 m=20
